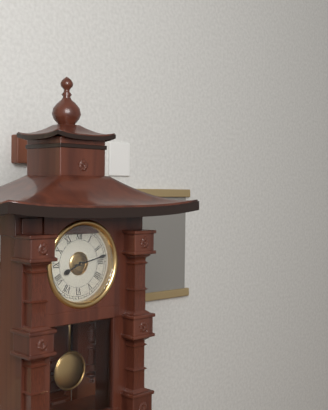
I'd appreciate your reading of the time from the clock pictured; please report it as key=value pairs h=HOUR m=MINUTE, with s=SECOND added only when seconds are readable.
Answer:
h=8 m=13
